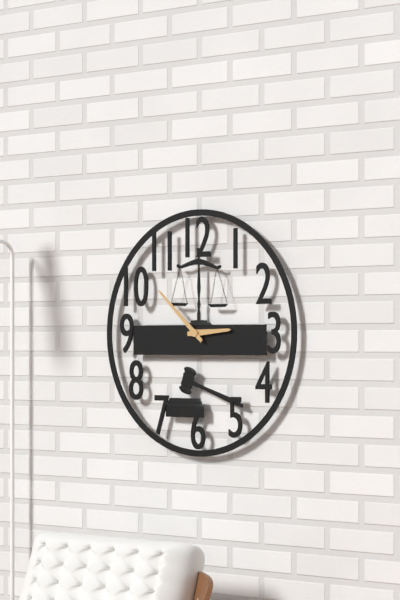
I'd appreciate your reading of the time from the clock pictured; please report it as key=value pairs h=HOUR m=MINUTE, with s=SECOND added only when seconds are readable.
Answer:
h=2 m=52
